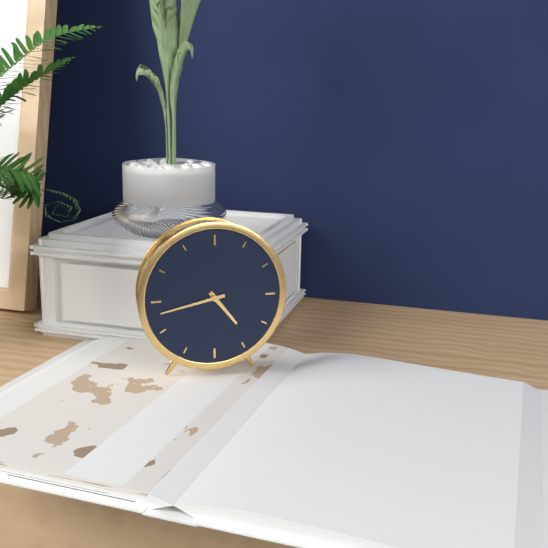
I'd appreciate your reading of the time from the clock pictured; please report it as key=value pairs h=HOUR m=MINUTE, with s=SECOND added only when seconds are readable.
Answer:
h=4 m=43
